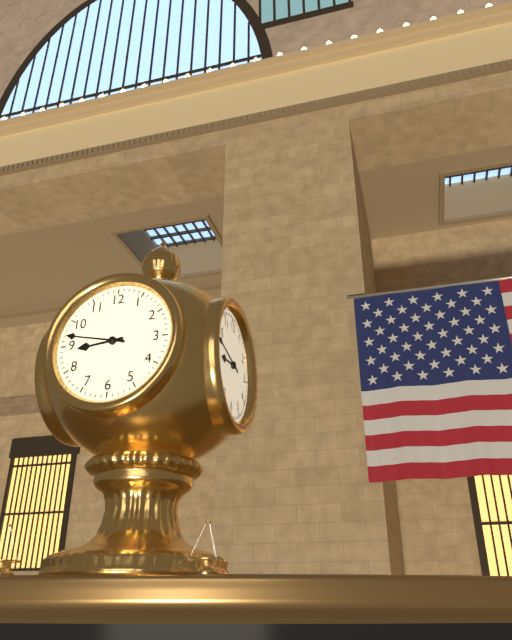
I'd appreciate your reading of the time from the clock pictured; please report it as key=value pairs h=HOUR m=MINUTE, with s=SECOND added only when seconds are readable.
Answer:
h=8 m=47
